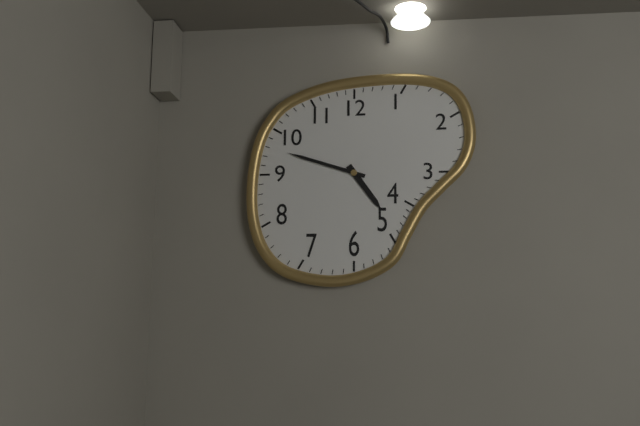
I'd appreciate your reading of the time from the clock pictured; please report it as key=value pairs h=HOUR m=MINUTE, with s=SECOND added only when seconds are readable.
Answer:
h=4 m=48
